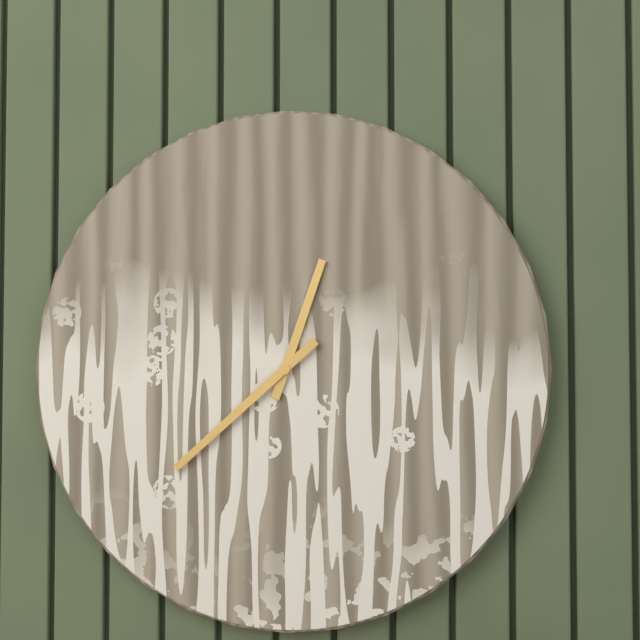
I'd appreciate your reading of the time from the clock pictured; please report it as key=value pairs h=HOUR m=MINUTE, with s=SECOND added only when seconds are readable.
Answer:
h=12 m=38
